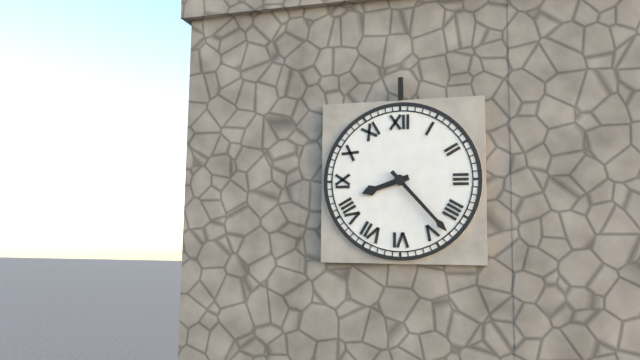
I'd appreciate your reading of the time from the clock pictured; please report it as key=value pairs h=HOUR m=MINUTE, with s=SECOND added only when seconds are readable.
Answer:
h=8 m=23
